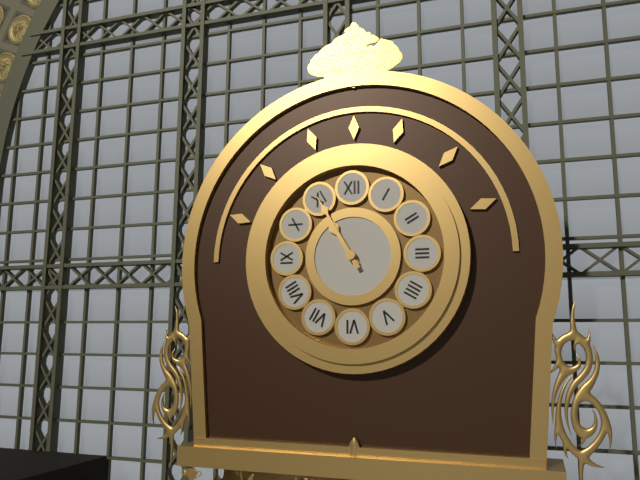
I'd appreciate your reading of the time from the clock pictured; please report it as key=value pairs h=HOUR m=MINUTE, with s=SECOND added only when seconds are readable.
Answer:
h=10 m=55
